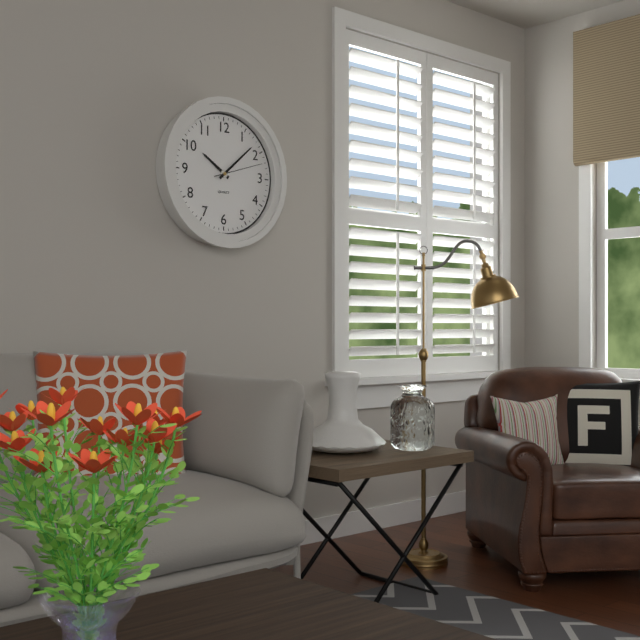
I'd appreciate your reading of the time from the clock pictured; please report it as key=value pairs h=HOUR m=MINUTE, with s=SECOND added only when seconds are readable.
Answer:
h=10 m=8
